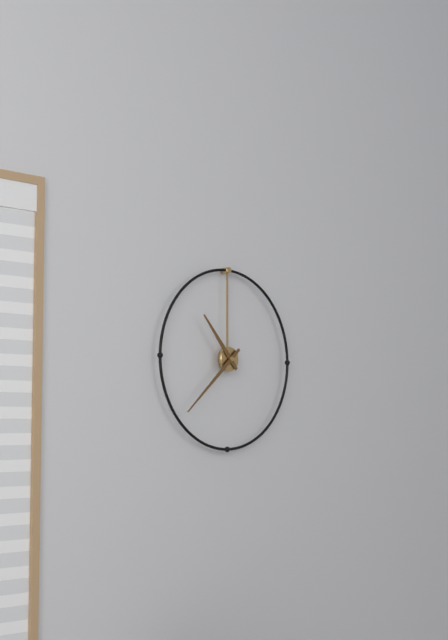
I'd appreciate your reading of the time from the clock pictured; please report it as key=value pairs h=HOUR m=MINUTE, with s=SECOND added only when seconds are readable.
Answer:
h=10 m=38
